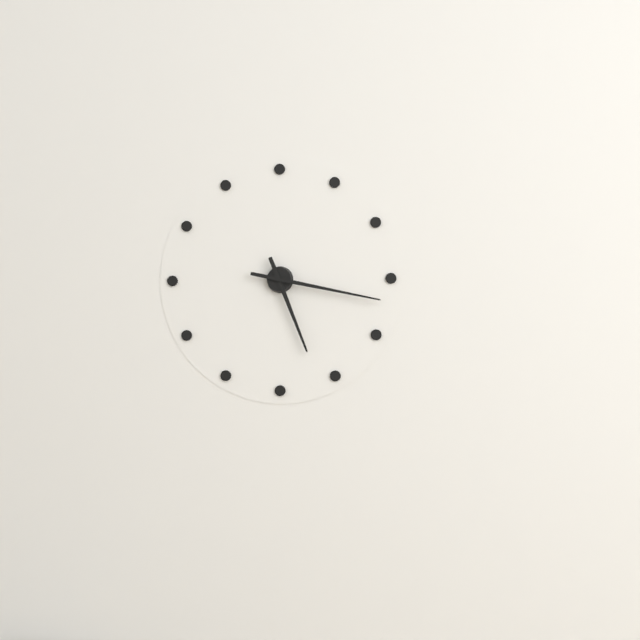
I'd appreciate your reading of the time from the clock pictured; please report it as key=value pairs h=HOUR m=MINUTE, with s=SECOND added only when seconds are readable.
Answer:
h=5 m=17
